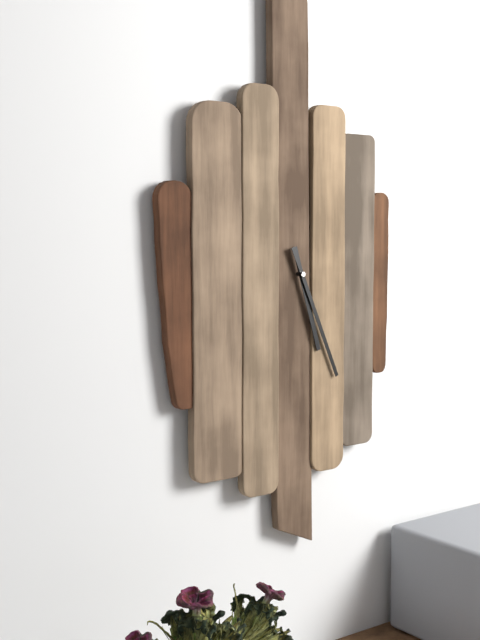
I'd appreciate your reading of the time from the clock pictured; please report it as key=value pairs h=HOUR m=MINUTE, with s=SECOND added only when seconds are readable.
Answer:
h=5 m=26
